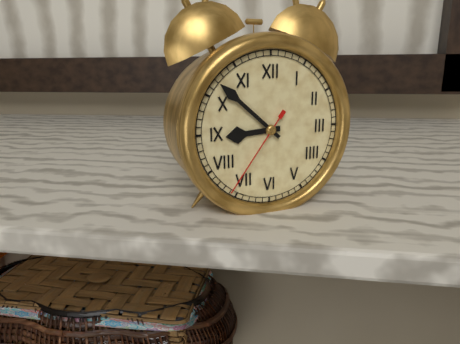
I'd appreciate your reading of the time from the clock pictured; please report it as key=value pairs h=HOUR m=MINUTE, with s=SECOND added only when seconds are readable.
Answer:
h=8 m=52 s=36
